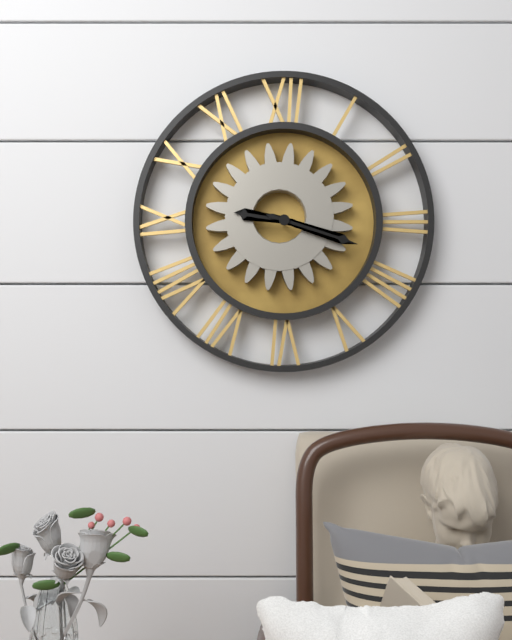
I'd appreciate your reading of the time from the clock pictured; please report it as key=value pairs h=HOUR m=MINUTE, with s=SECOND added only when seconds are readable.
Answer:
h=9 m=18
